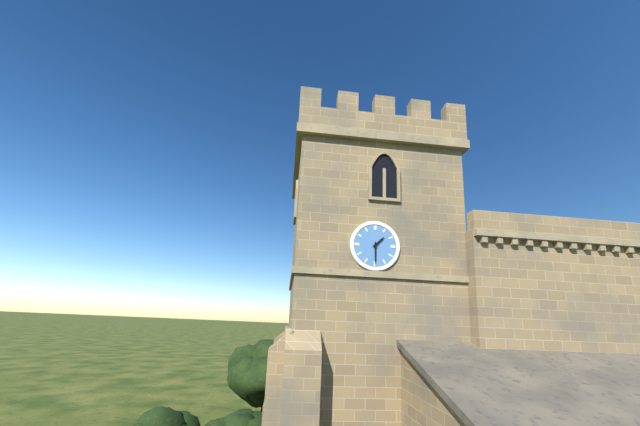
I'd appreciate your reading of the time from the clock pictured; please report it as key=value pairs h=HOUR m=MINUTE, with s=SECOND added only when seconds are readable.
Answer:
h=1 m=30
